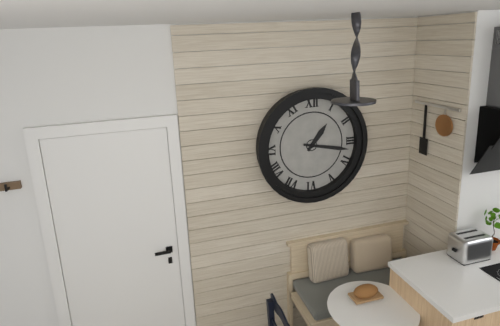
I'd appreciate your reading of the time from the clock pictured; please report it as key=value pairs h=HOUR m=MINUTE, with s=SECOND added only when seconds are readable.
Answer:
h=1 m=17
